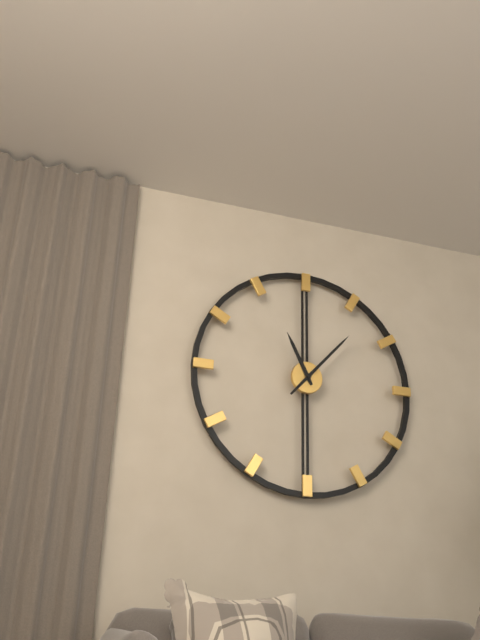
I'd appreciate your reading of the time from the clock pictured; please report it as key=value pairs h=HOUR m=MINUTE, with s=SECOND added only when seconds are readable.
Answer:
h=11 m=7
